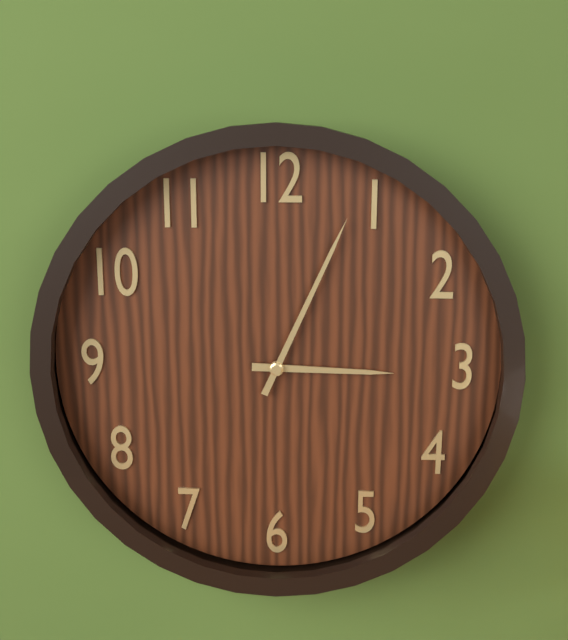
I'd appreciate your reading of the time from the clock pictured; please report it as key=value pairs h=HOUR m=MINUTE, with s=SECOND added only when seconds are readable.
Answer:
h=3 m=4
